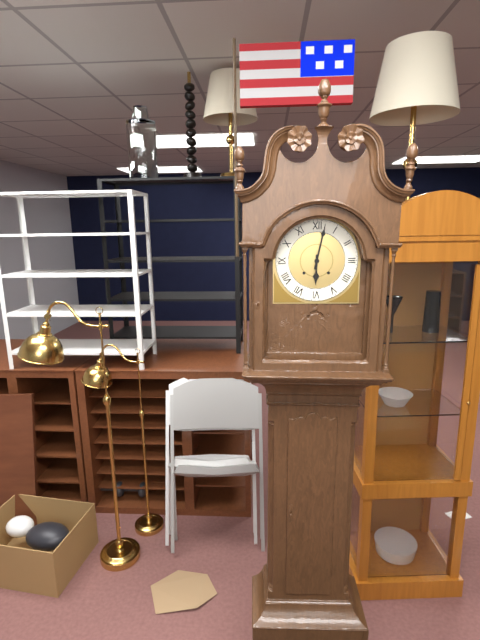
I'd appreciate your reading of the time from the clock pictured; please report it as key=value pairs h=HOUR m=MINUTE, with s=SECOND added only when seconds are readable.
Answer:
h=6 m=2
